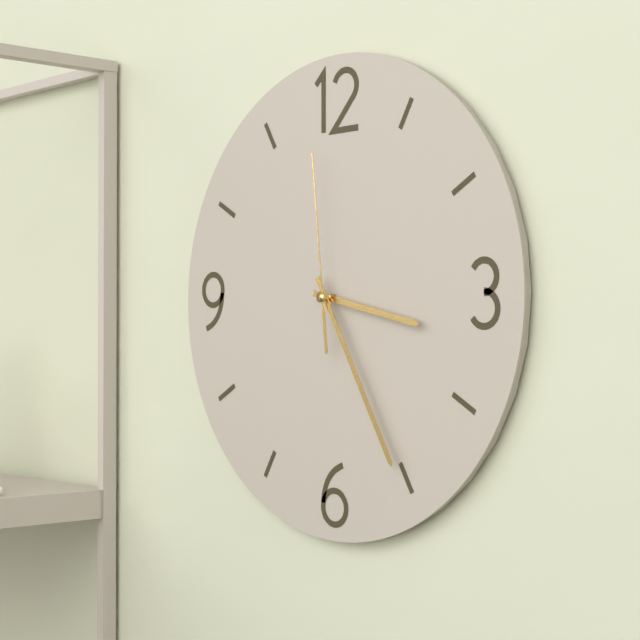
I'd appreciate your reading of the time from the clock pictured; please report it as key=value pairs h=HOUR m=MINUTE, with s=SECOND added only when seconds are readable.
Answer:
h=3 m=25 s=59
